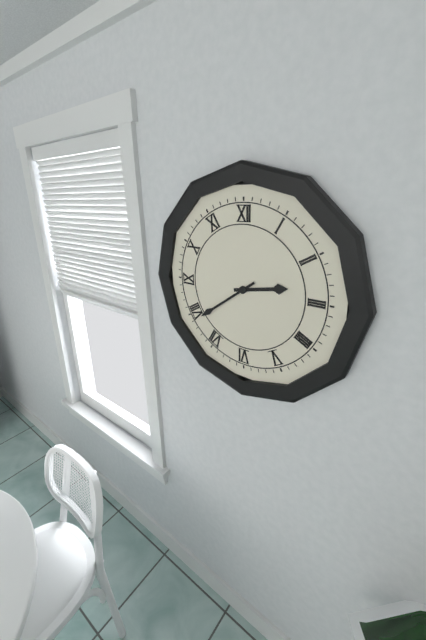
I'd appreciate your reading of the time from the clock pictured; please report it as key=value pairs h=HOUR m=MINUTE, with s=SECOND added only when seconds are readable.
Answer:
h=2 m=39
